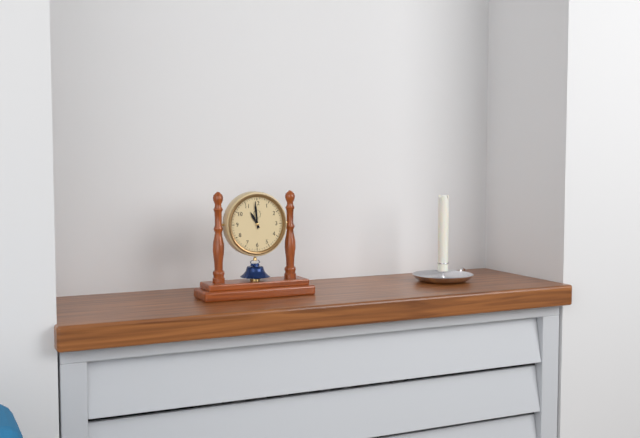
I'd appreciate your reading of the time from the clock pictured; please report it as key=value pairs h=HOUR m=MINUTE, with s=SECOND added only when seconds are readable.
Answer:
h=10 m=59
